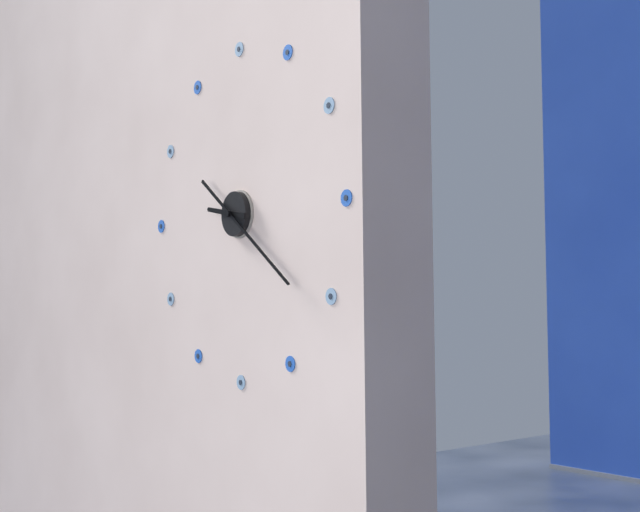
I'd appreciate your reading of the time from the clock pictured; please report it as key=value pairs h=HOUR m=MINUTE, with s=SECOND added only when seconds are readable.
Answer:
h=9 m=21
